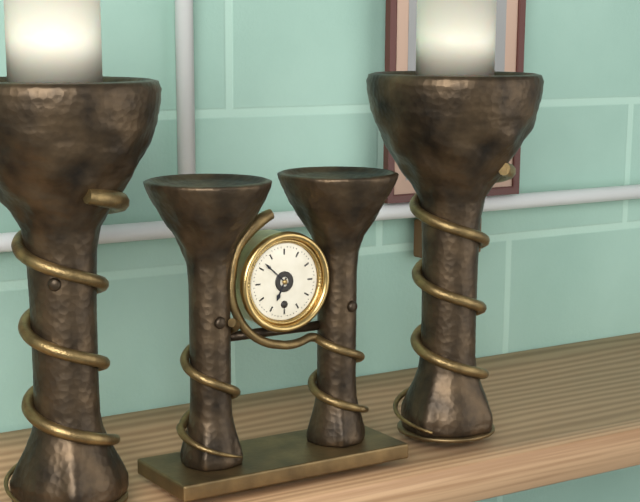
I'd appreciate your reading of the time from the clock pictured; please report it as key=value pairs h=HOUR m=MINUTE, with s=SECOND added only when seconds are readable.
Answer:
h=6 m=52
